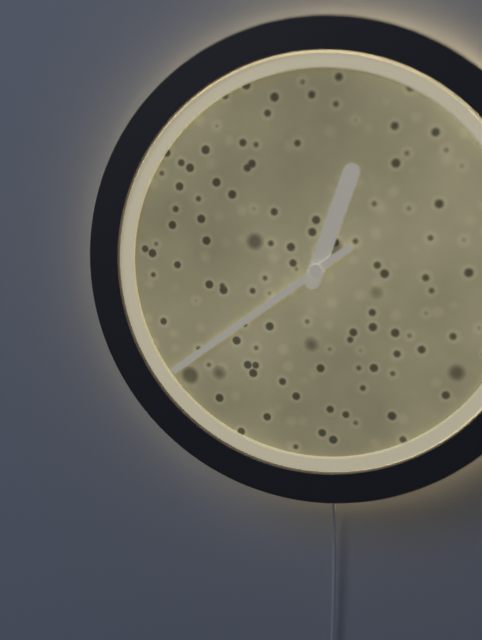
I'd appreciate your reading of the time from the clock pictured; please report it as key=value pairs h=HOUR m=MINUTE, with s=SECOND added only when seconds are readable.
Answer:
h=12 m=39
